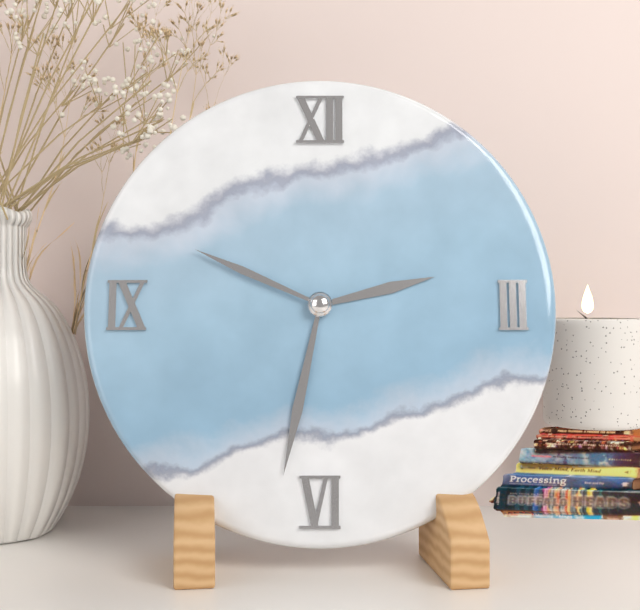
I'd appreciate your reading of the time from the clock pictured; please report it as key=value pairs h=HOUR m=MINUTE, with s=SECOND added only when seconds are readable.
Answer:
h=2 m=32 s=49
